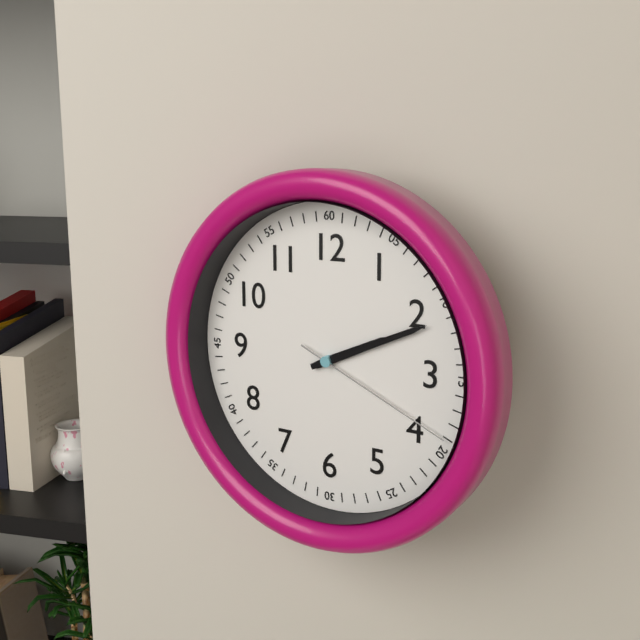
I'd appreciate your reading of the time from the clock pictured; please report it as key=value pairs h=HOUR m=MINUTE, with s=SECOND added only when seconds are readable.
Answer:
h=2 m=11 s=19
